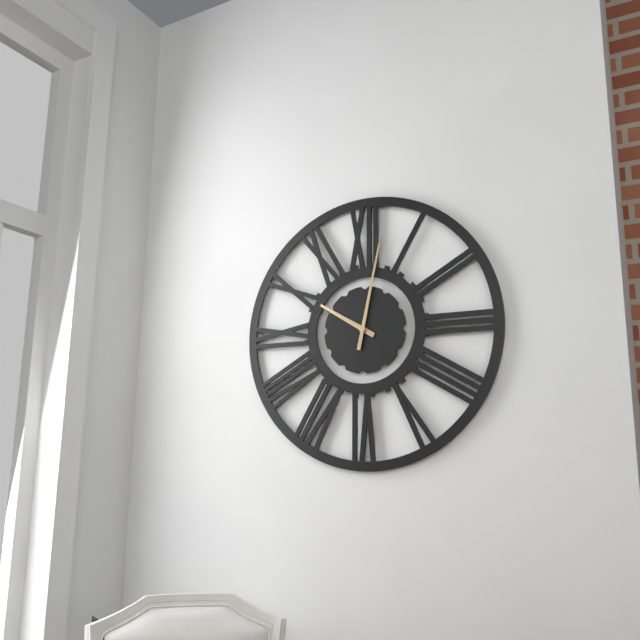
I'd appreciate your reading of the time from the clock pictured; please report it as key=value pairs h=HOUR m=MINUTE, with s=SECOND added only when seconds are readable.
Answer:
h=10 m=2
